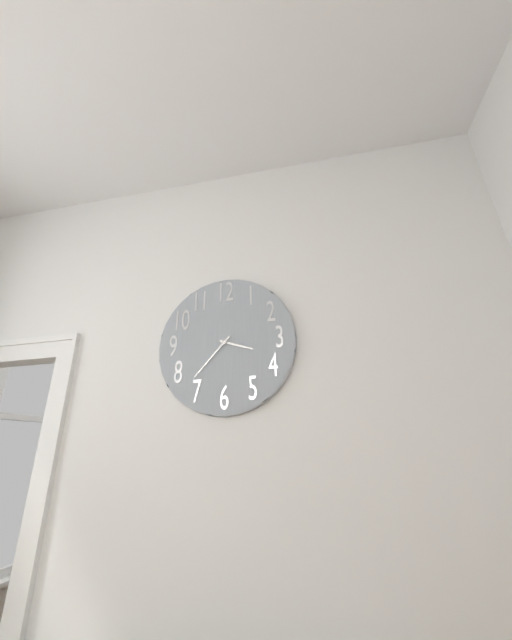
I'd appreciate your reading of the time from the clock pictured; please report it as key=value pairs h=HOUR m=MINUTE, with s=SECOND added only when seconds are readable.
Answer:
h=3 m=37
